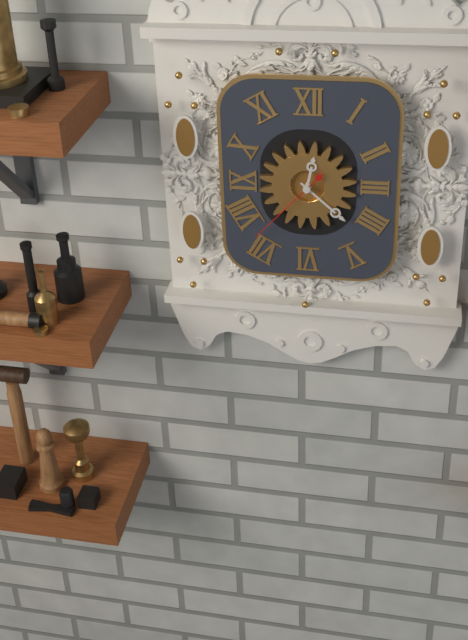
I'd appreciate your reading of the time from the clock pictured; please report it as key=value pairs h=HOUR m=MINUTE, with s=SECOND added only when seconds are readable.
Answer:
h=12 m=22 s=37
